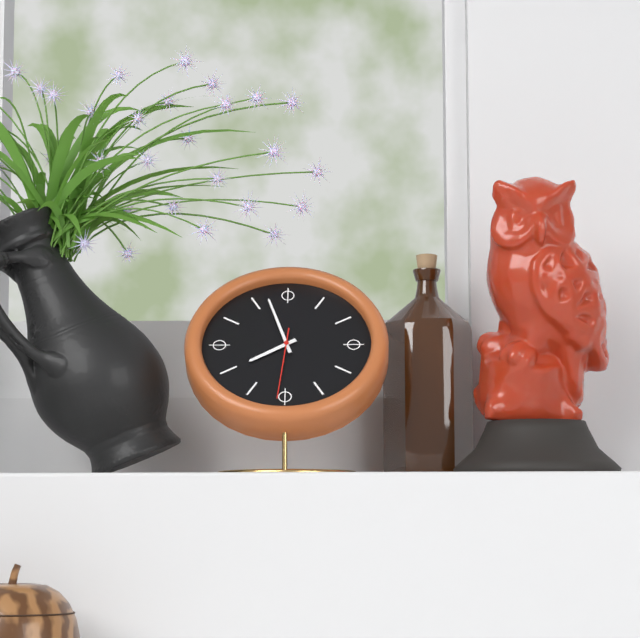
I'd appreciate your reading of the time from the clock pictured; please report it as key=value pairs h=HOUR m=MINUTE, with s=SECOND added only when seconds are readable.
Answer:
h=7 m=57 s=31
